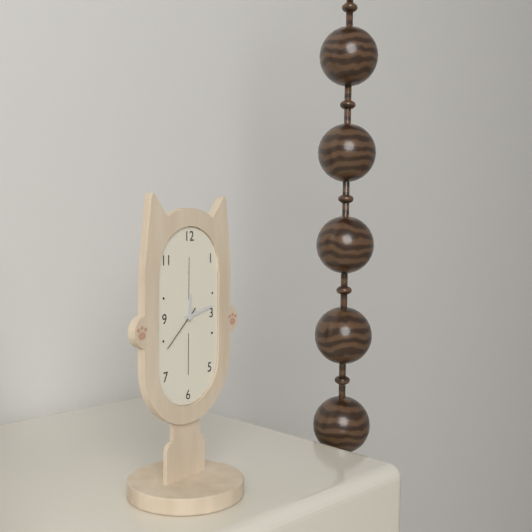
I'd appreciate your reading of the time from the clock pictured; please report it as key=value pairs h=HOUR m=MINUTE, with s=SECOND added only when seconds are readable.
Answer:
h=12 m=13
